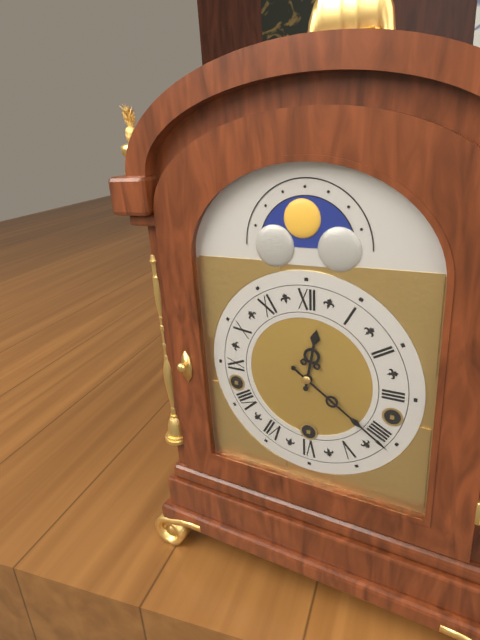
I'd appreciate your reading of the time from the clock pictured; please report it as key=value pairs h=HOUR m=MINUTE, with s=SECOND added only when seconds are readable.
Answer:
h=12 m=21
